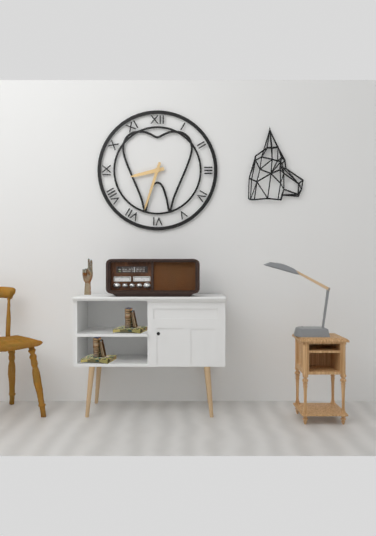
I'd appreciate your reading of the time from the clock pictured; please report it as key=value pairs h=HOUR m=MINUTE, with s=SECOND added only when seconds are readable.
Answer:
h=8 m=33
